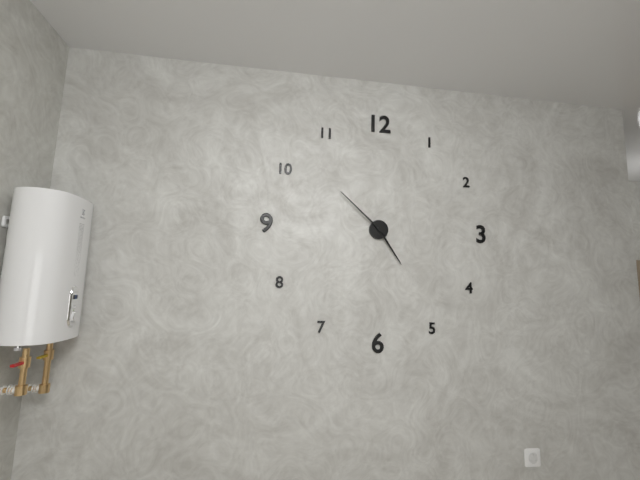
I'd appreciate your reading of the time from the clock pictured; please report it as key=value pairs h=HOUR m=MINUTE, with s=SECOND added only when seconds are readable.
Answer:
h=4 m=52
